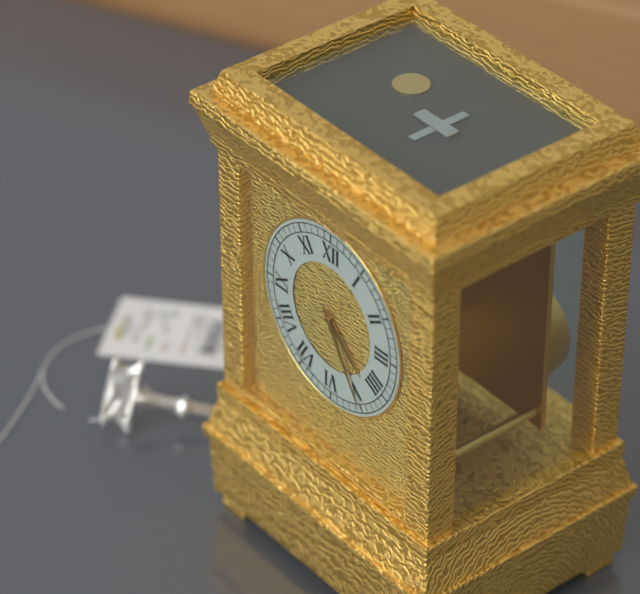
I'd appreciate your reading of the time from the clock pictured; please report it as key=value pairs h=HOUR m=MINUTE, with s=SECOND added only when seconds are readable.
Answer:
h=4 m=25
